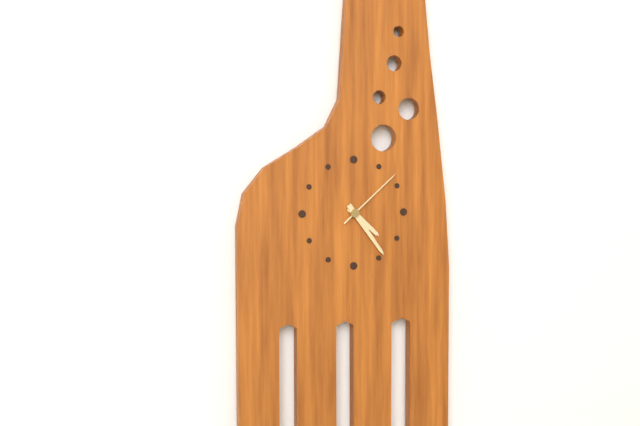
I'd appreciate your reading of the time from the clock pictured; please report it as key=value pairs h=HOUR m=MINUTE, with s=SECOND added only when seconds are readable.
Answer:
h=4 m=24 s=8
